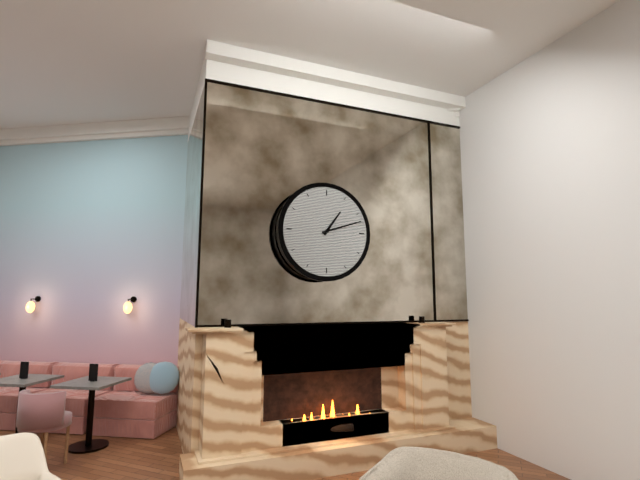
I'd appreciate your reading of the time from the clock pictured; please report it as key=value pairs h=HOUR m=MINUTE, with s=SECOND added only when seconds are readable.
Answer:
h=1 m=12
